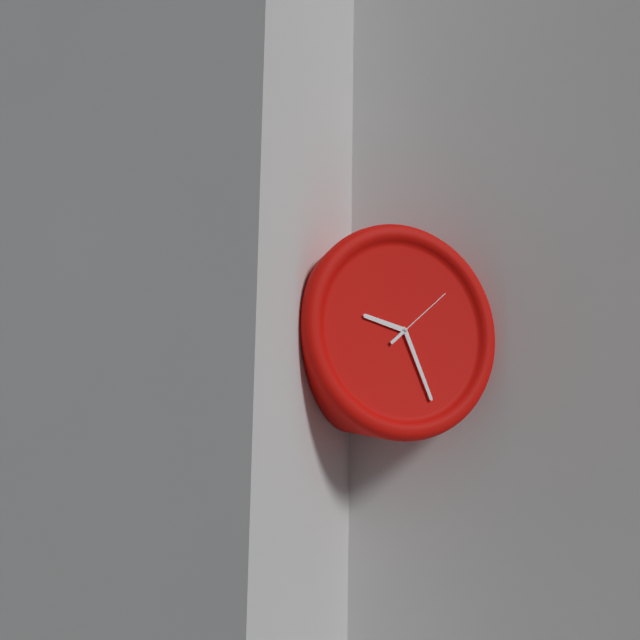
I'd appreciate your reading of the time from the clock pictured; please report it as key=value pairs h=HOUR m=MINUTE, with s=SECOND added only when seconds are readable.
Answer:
h=9 m=26 s=8
